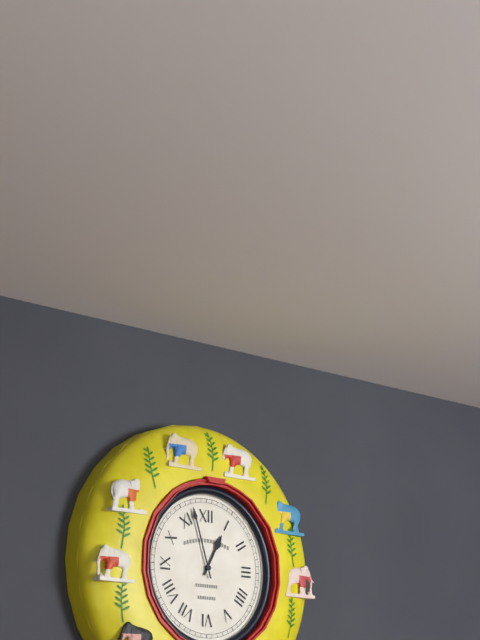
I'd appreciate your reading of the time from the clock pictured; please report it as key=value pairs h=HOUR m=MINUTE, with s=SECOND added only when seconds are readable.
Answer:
h=12 m=57
